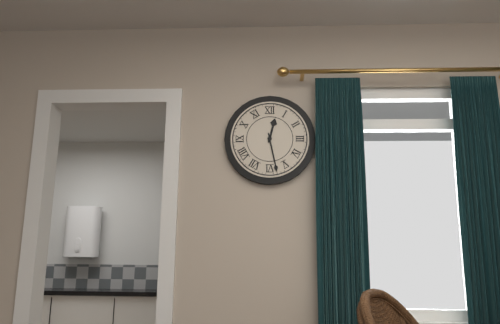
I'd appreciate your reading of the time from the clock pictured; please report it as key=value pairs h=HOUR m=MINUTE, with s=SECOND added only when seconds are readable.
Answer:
h=12 m=28
